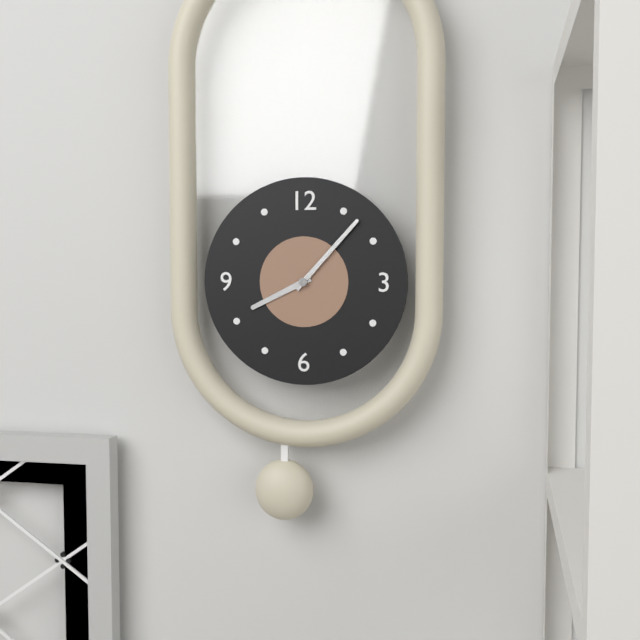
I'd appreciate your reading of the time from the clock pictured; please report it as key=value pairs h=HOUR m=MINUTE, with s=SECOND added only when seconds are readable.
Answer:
h=8 m=7
